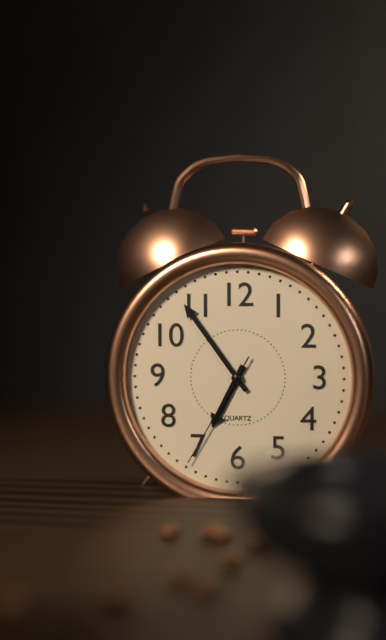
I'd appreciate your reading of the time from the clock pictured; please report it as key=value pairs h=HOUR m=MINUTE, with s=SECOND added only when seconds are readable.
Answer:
h=6 m=54 s=35
